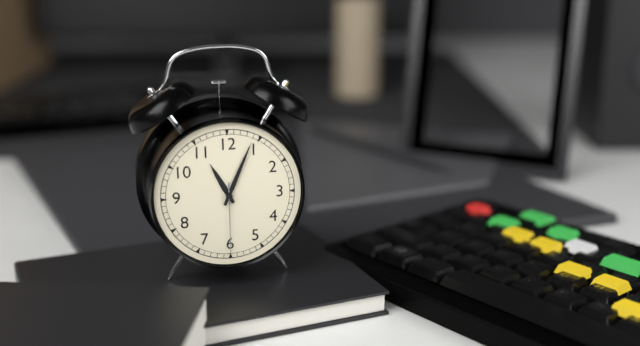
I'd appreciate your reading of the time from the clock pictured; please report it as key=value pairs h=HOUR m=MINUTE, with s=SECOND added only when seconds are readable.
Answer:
h=11 m=4 s=30
